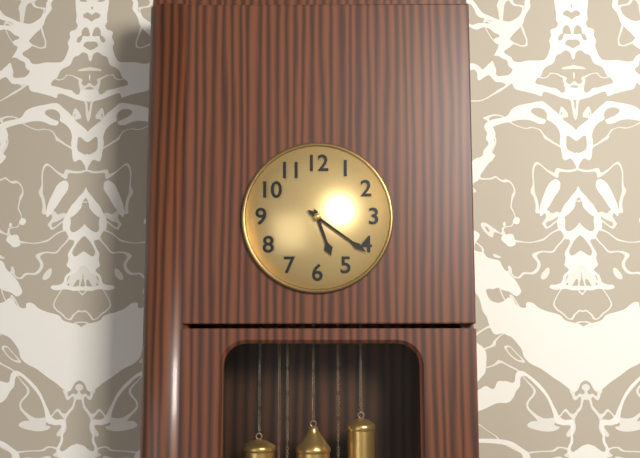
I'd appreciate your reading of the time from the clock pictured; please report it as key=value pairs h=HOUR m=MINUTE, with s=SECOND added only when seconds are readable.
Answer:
h=5 m=21
